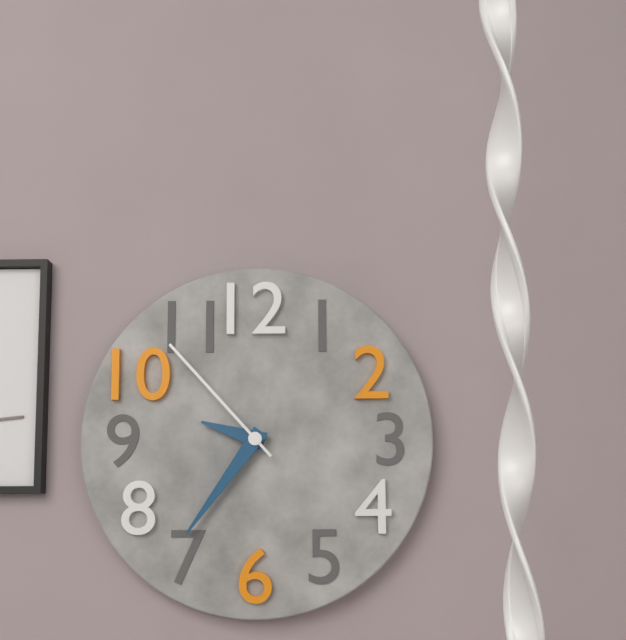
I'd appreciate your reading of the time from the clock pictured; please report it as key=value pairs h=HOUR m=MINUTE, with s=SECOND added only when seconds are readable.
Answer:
h=9 m=36 s=53
